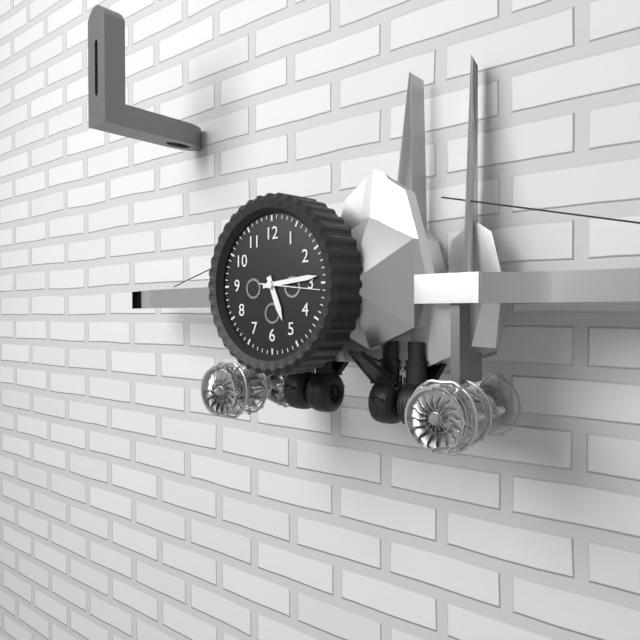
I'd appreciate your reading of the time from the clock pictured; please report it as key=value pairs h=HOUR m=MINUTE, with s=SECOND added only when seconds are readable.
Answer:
h=5 m=14 s=16
